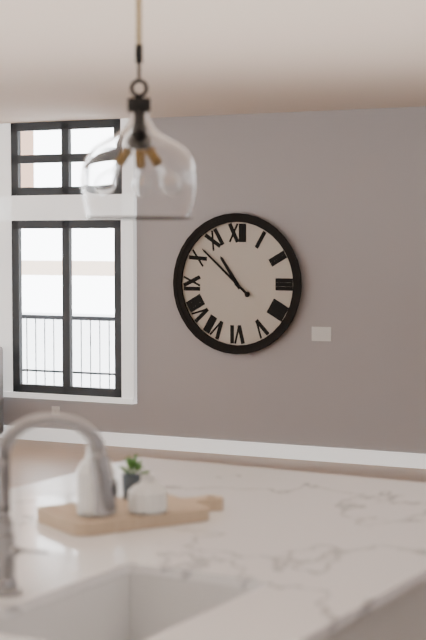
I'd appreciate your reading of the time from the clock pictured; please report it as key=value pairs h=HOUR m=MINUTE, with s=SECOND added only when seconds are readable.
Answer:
h=10 m=52
